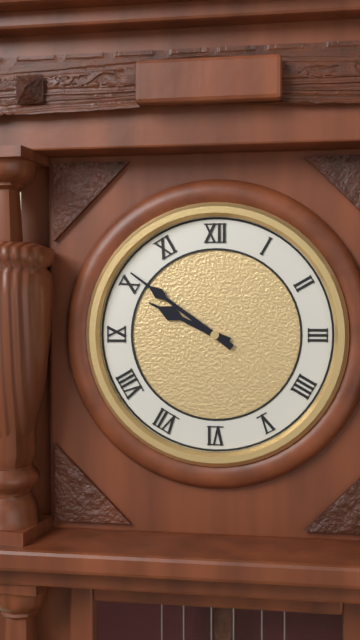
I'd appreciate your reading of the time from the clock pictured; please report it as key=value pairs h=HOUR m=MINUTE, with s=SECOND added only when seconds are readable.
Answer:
h=9 m=51
